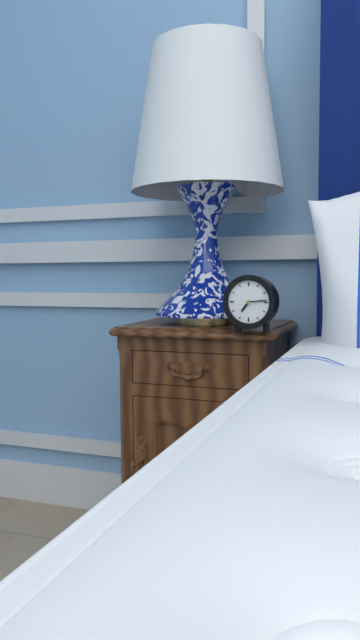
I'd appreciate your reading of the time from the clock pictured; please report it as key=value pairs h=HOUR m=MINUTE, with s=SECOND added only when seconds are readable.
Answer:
h=7 m=14
